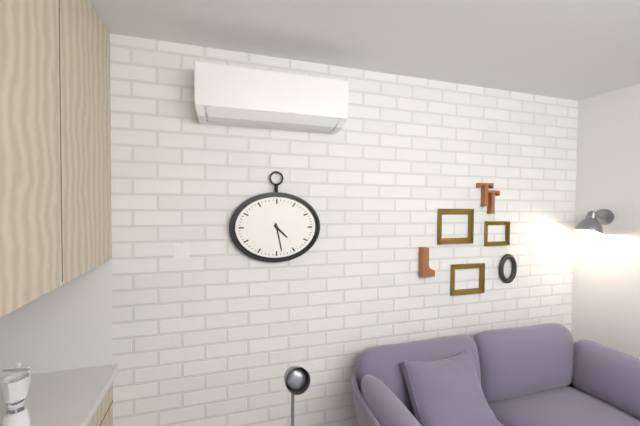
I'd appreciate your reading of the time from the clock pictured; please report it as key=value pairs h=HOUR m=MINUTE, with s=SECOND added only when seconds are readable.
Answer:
h=4 m=28
